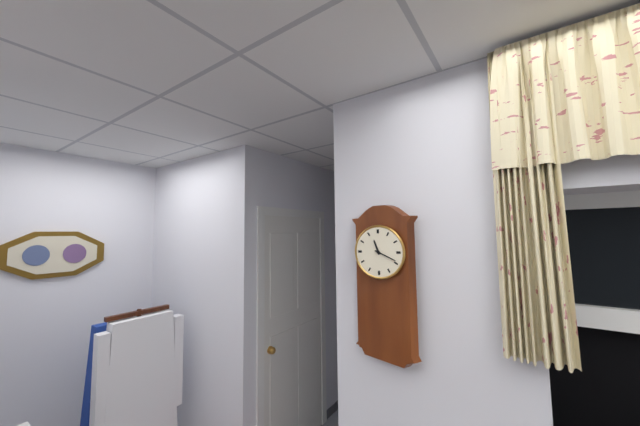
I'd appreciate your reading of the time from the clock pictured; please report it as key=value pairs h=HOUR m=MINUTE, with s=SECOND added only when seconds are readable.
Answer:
h=11 m=19
